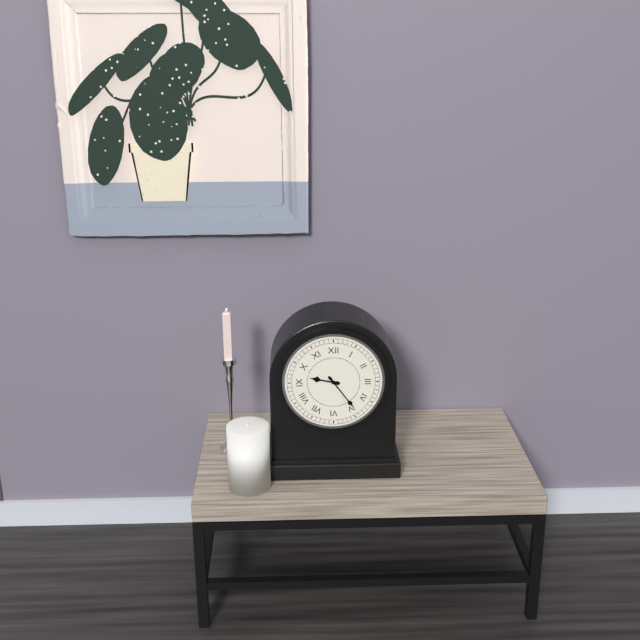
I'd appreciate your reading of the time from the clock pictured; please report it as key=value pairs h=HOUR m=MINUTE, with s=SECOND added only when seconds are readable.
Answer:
h=9 m=24
